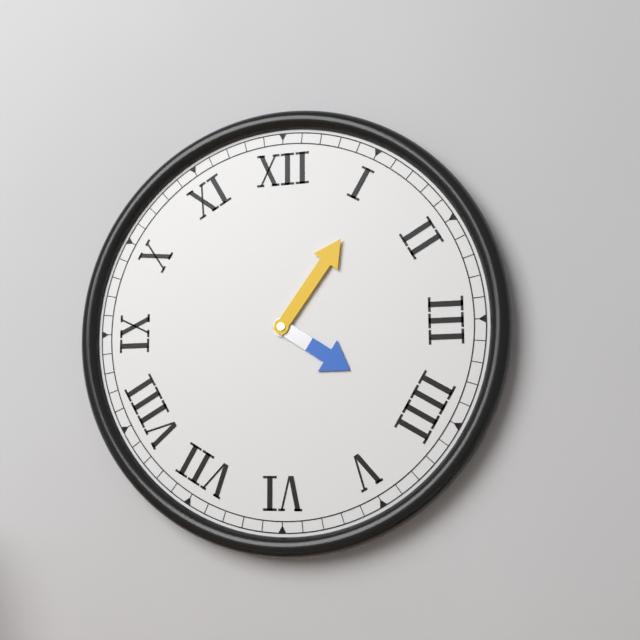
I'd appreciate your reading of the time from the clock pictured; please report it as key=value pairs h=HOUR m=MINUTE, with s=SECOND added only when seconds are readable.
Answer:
h=4 m=6
